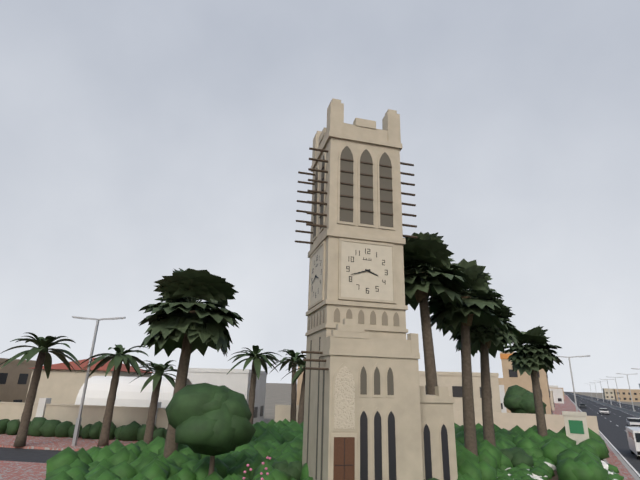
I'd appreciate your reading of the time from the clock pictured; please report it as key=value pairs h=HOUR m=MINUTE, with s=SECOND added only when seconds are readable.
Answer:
h=3 m=42
